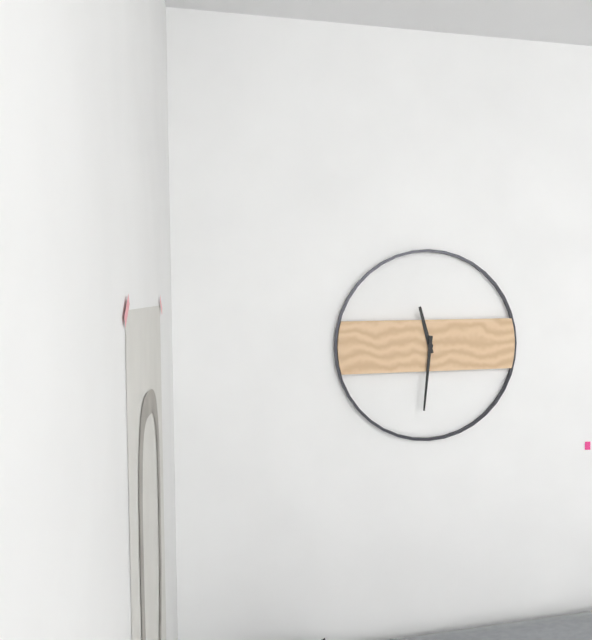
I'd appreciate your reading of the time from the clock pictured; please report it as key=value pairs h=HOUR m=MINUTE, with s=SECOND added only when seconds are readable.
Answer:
h=11 m=31
